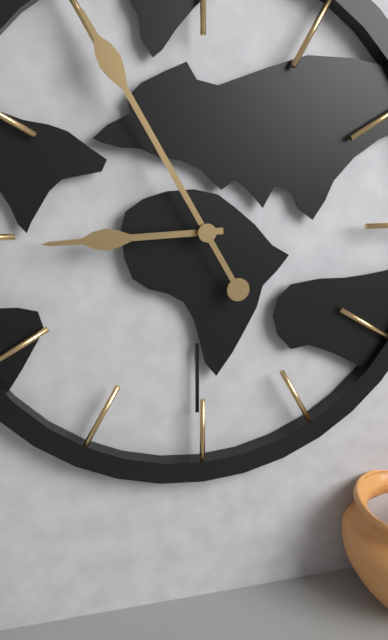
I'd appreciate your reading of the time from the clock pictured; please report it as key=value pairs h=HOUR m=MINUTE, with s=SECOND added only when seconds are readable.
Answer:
h=8 m=55
